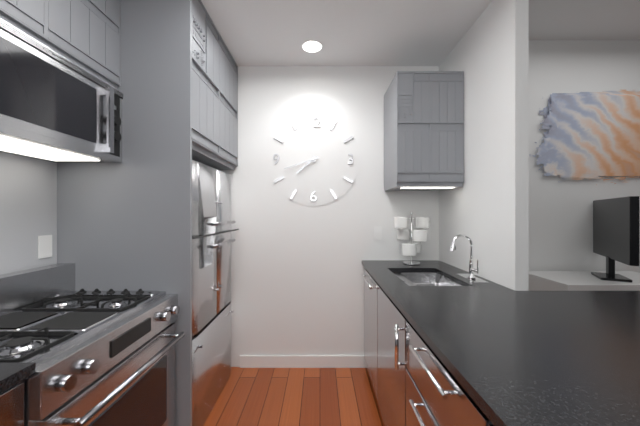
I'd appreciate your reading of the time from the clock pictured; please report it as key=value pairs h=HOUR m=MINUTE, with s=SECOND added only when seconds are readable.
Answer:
h=7 m=42
